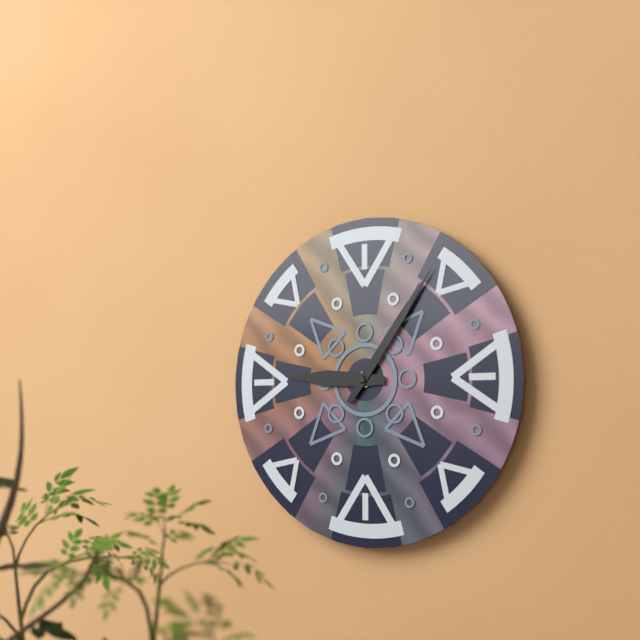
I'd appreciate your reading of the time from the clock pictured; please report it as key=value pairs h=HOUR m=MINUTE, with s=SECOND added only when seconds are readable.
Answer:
h=9 m=6
